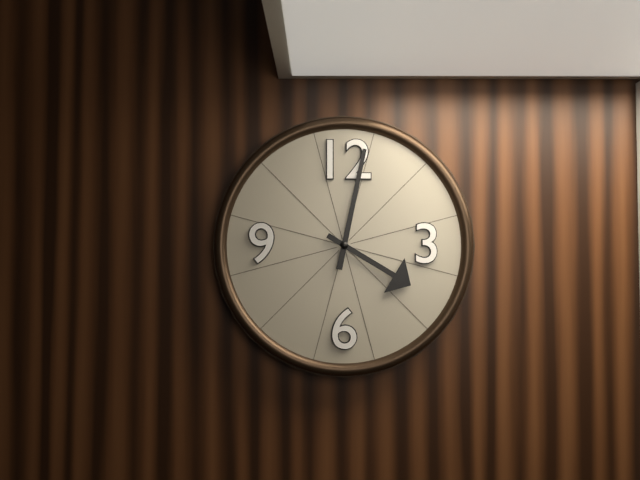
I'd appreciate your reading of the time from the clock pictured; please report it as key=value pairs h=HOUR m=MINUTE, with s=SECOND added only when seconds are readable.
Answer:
h=4 m=2
